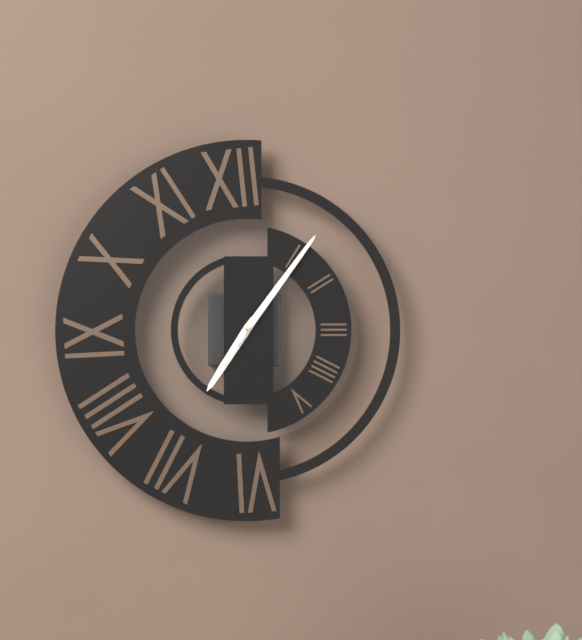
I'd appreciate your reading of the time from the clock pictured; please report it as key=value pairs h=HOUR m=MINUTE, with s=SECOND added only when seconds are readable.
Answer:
h=7 m=6 s=6
